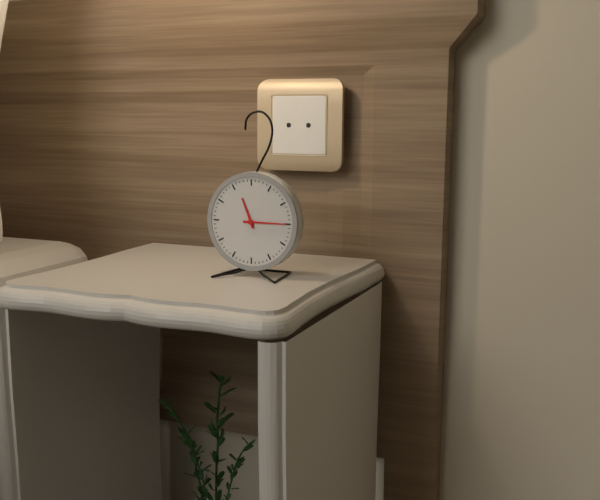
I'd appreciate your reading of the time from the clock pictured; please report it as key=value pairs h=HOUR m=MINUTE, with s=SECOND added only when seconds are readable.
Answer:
h=11 m=15
